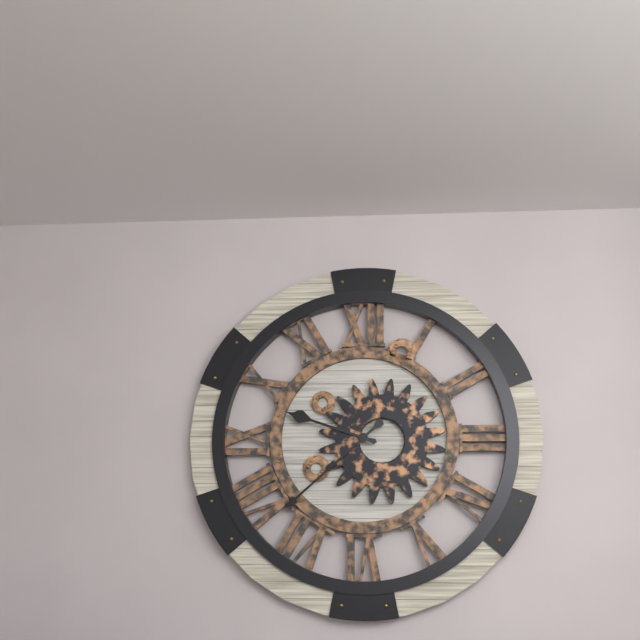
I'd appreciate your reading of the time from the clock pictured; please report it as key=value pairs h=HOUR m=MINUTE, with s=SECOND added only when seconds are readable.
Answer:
h=9 m=38
